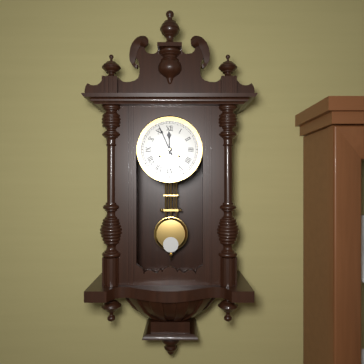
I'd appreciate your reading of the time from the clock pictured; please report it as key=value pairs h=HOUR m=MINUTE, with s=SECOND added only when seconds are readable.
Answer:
h=11 m=56
